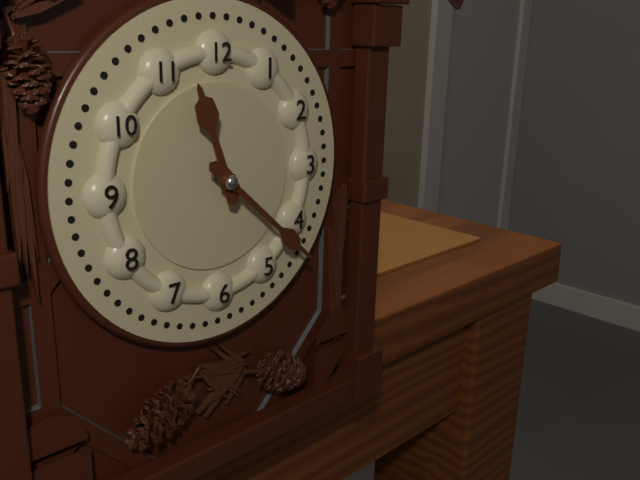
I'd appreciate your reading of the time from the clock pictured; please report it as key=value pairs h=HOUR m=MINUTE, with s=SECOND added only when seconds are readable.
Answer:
h=11 m=22
